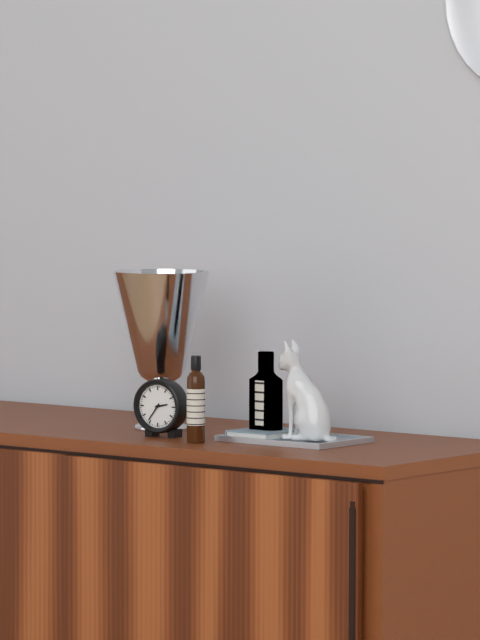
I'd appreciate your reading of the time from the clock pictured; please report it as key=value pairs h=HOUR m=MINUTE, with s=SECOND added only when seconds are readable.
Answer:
h=2 m=36
